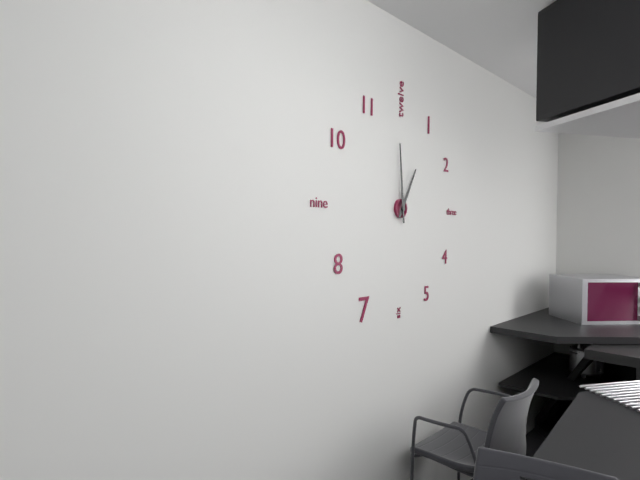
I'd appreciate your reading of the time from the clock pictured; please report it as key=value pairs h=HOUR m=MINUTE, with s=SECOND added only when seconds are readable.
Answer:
h=12 m=59
